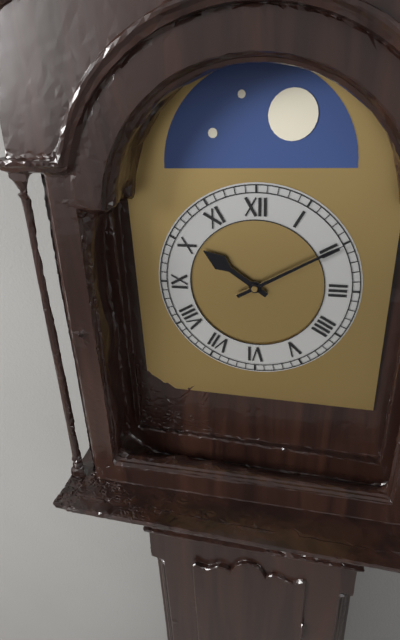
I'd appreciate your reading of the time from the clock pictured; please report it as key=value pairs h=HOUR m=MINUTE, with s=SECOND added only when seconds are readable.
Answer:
h=10 m=10
